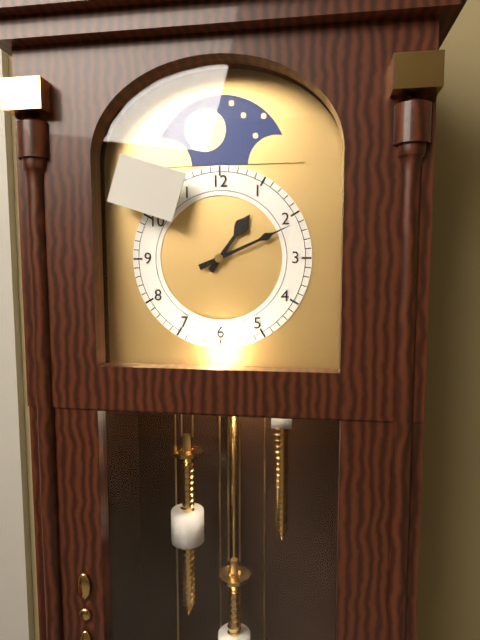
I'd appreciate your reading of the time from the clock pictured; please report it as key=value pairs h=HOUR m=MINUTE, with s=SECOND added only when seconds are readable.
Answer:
h=1 m=11
